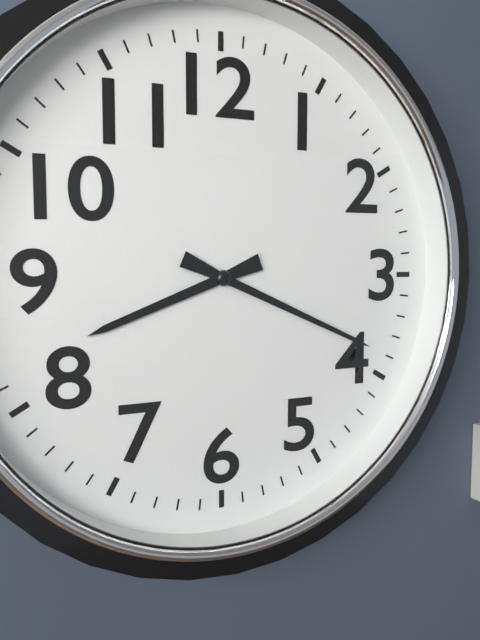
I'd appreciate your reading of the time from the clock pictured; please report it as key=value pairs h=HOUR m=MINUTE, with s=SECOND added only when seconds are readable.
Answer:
h=8 m=19
